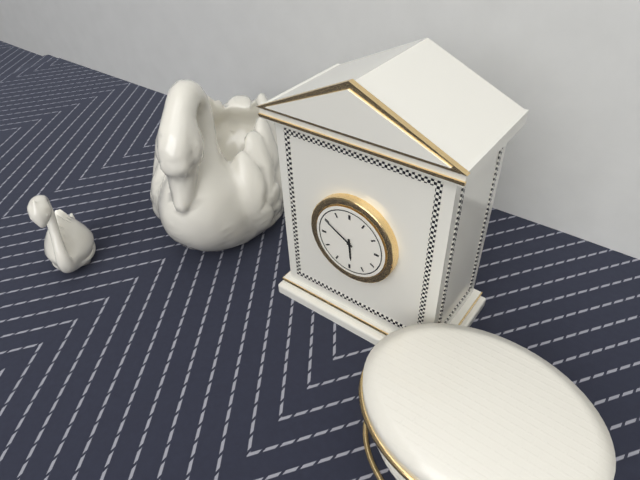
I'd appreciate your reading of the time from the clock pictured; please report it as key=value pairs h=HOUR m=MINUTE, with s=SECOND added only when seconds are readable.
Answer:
h=5 m=50
